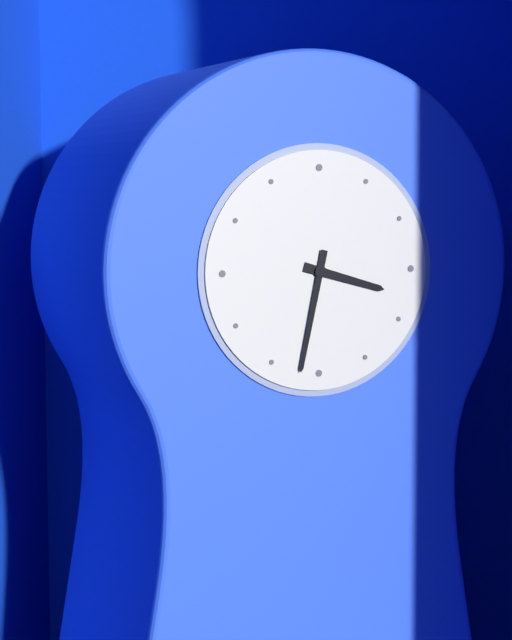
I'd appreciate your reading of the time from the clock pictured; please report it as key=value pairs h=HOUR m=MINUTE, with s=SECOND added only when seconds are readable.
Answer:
h=3 m=32
